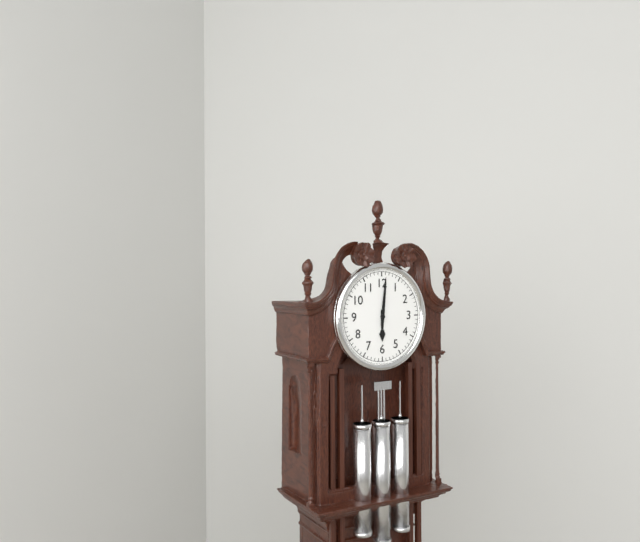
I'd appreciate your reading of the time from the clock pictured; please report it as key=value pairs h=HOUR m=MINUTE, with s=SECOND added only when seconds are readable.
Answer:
h=6 m=1
